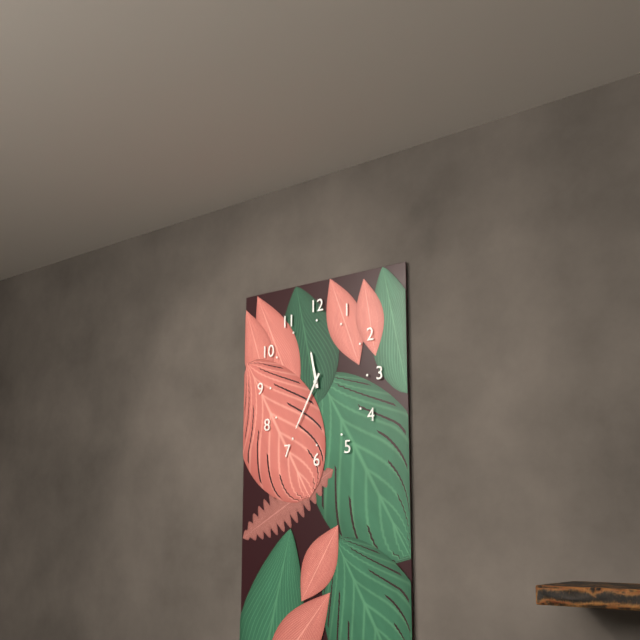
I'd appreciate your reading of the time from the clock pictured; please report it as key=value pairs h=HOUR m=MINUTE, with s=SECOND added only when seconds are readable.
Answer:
h=11 m=35
